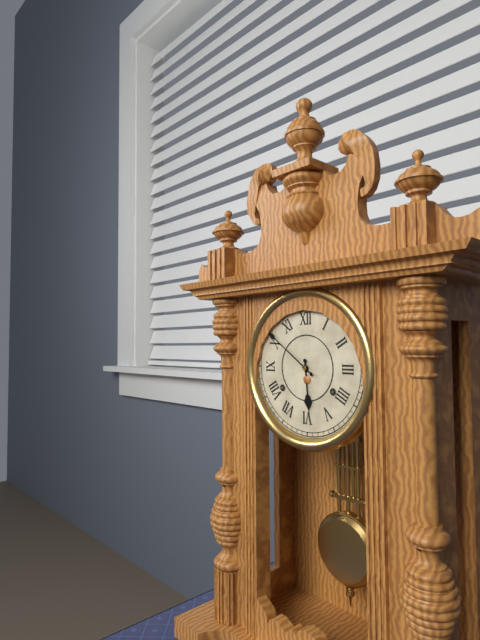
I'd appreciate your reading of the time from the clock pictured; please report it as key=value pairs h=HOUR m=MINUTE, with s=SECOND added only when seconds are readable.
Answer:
h=5 m=51
